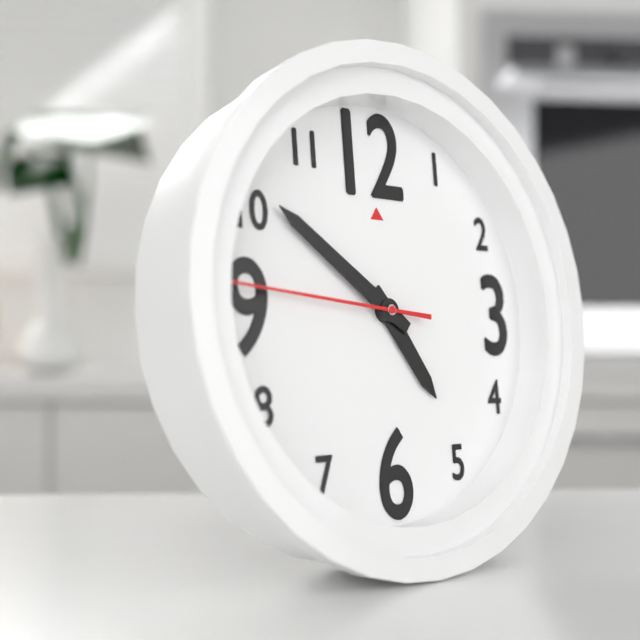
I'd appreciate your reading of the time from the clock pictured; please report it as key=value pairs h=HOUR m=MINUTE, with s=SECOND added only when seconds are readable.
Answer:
h=4 m=51 s=46
